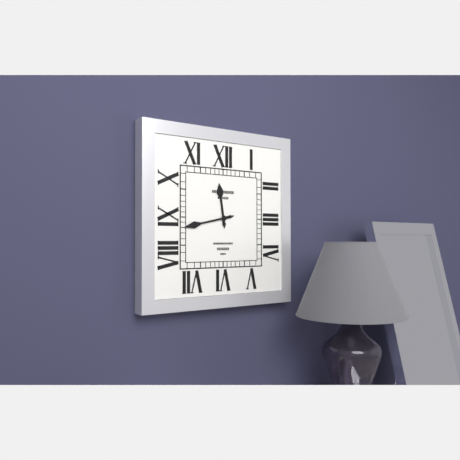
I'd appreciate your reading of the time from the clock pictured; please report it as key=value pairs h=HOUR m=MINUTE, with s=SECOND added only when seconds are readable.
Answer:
h=11 m=43
